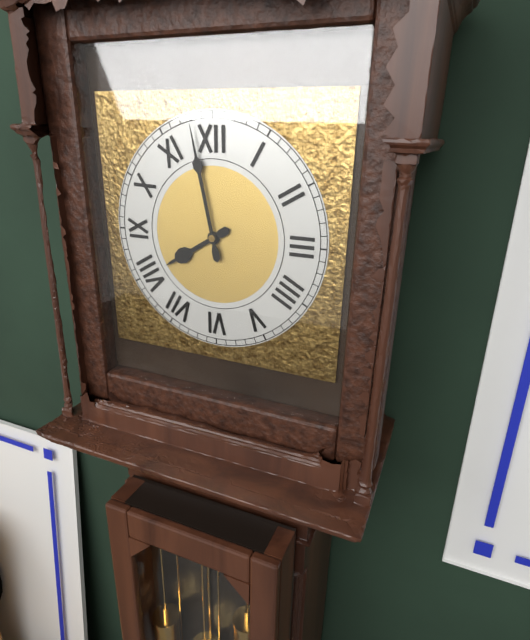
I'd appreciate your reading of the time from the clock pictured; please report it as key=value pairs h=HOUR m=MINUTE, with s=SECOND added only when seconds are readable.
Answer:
h=7 m=58
